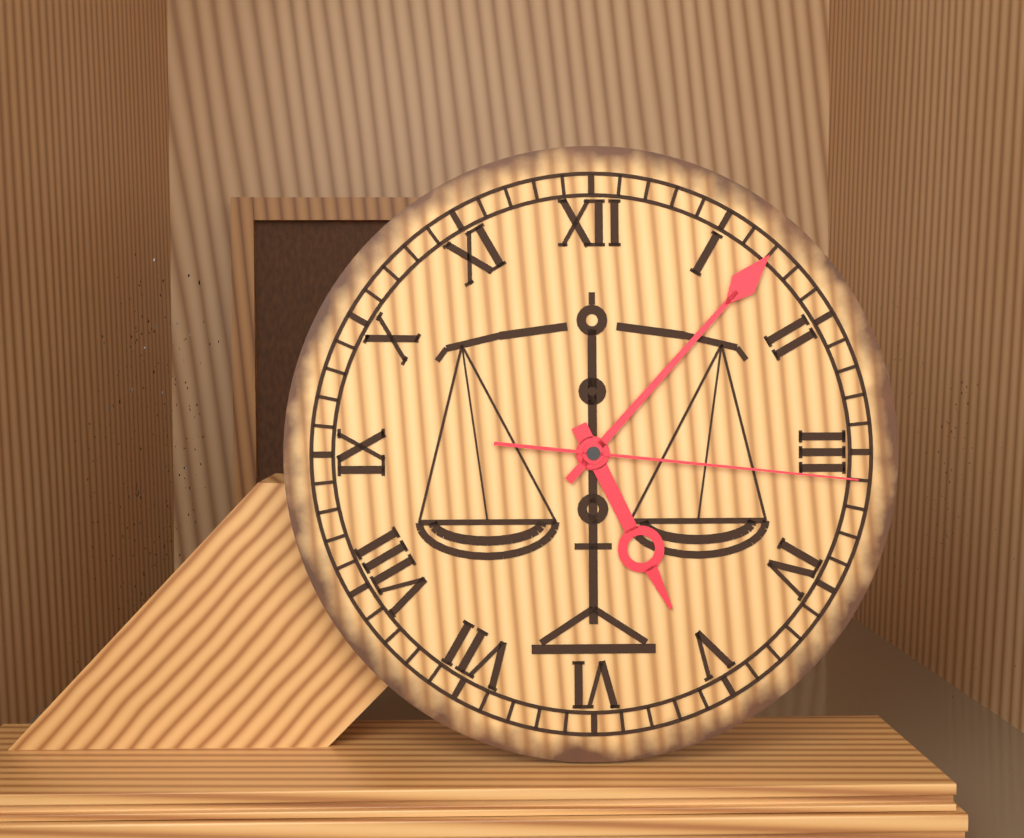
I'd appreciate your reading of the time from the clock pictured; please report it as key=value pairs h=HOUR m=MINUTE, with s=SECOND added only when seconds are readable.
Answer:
h=5 m=7 s=16
